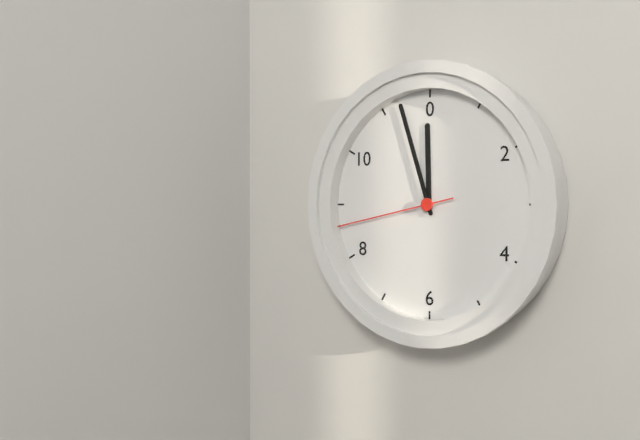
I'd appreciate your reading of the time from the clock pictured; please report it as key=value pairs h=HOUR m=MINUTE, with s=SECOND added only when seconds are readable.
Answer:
h=11 m=57 s=43
